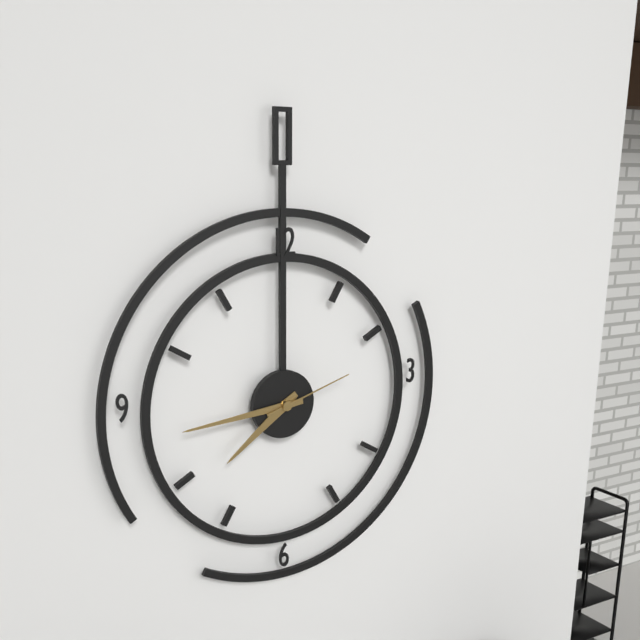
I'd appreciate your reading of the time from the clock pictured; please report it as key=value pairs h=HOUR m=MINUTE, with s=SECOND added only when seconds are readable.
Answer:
h=7 m=44 s=12
